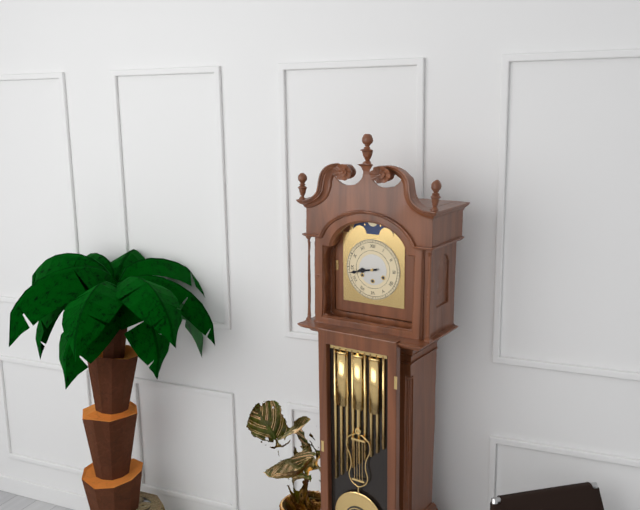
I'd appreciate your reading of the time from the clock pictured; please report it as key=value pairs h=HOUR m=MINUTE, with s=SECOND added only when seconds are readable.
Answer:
h=8 m=43
